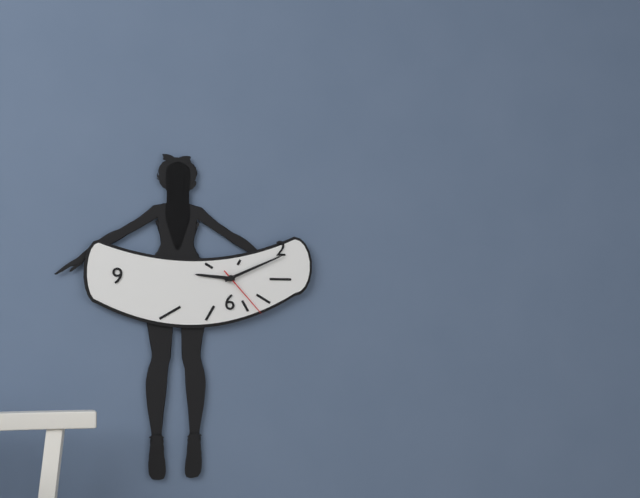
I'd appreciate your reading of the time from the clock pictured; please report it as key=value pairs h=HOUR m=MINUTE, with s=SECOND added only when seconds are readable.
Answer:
h=9 m=11 s=23
